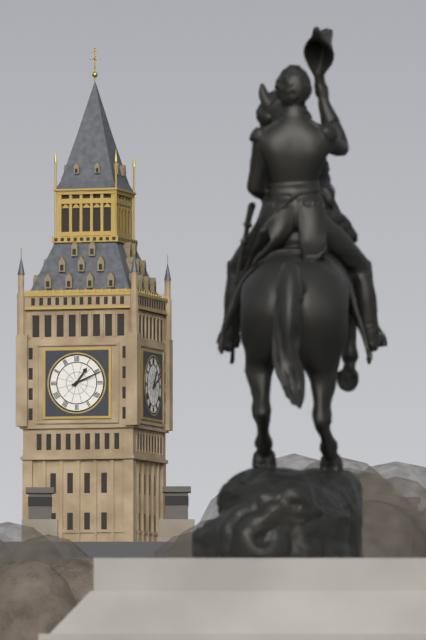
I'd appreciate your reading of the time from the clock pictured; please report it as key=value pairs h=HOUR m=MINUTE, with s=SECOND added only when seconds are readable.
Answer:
h=1 m=11
